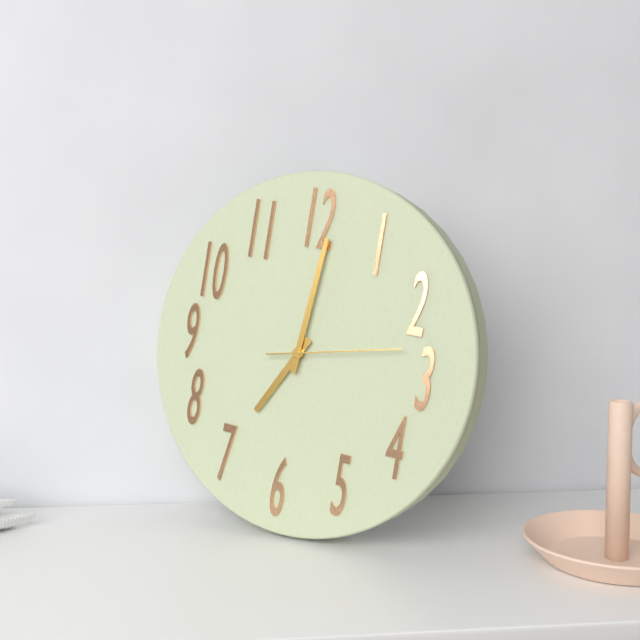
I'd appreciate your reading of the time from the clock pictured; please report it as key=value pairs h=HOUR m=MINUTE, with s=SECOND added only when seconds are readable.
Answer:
h=7 m=1 s=13
